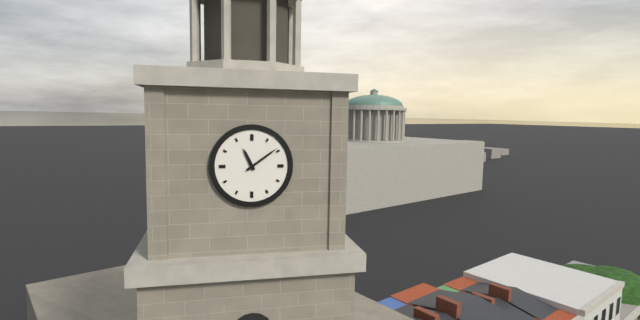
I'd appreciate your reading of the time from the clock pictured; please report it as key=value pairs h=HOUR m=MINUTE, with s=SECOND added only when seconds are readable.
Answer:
h=11 m=9
